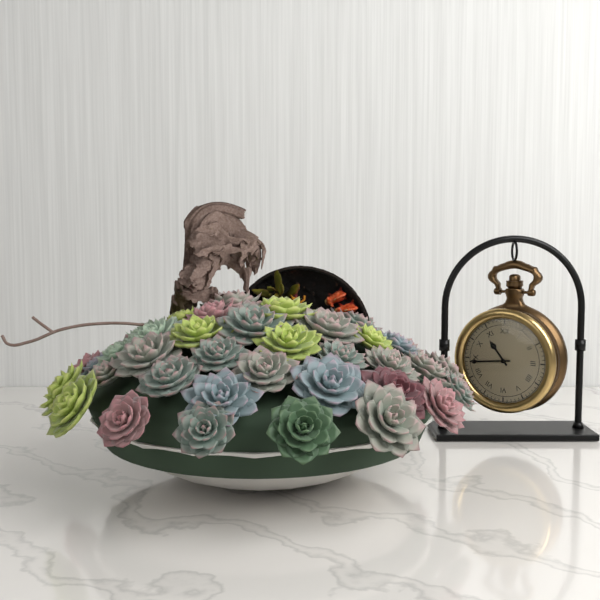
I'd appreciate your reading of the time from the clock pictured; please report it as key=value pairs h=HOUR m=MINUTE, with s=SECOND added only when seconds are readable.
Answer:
h=10 m=44
